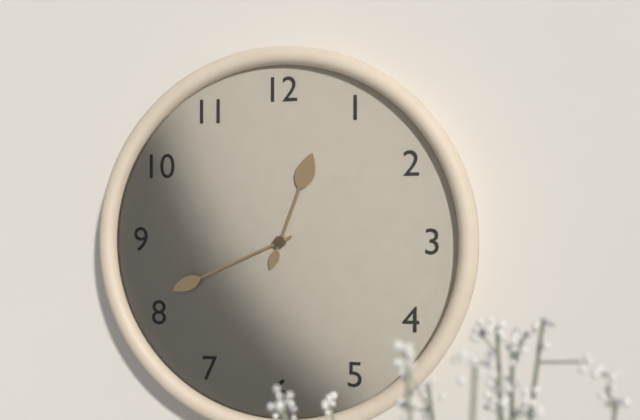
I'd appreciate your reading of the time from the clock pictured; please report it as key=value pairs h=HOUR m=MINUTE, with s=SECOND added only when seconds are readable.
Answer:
h=12 m=41
